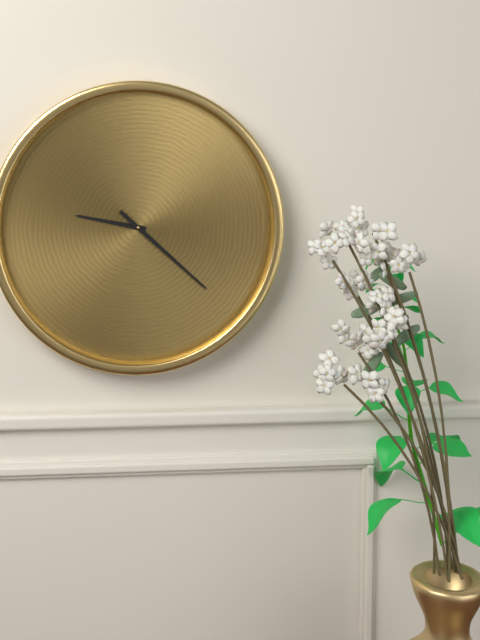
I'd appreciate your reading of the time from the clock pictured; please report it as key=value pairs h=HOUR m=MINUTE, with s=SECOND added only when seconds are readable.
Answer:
h=9 m=22
